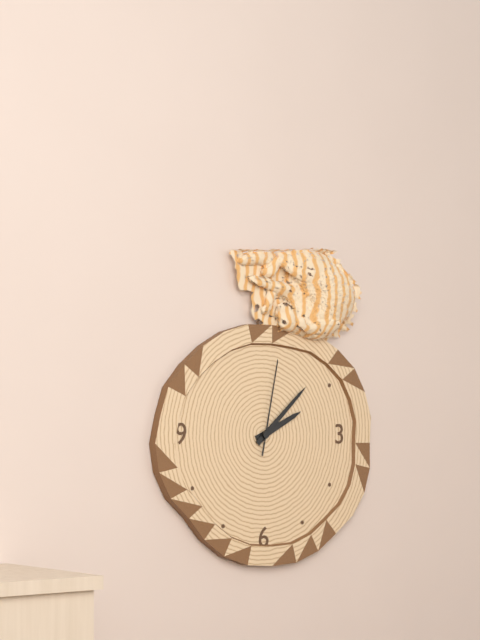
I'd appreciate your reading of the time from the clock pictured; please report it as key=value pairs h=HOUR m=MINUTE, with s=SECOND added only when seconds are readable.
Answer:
h=2 m=8 s=2
